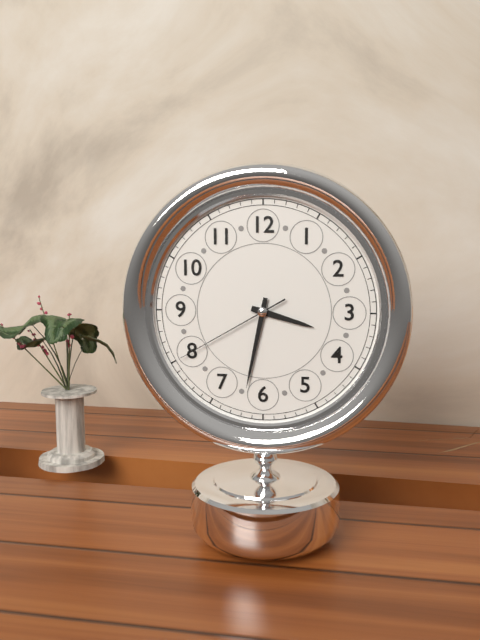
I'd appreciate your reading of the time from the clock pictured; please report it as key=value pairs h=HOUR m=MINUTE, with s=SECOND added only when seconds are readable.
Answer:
h=3 m=32 s=40
